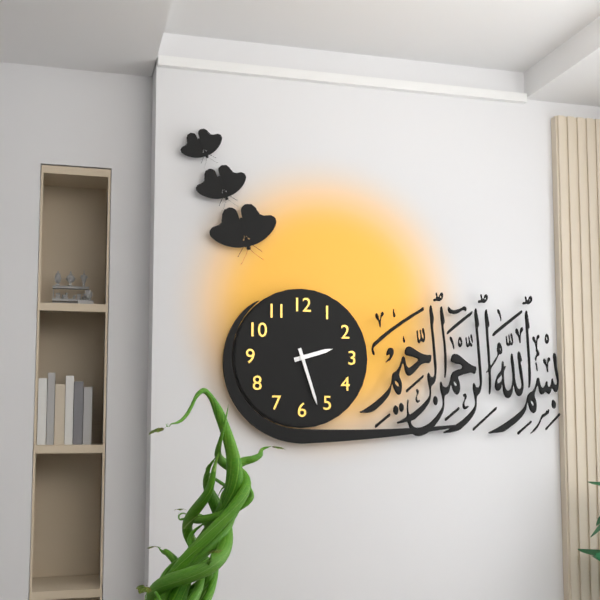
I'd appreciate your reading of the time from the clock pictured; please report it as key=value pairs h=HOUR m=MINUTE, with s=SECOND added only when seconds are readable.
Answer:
h=2 m=27
